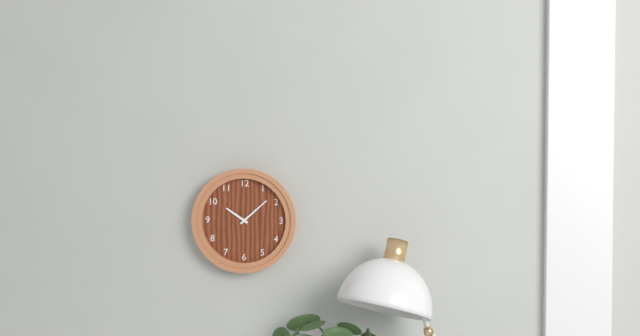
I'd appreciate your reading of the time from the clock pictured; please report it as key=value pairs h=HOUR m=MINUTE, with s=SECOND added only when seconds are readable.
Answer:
h=10 m=8
